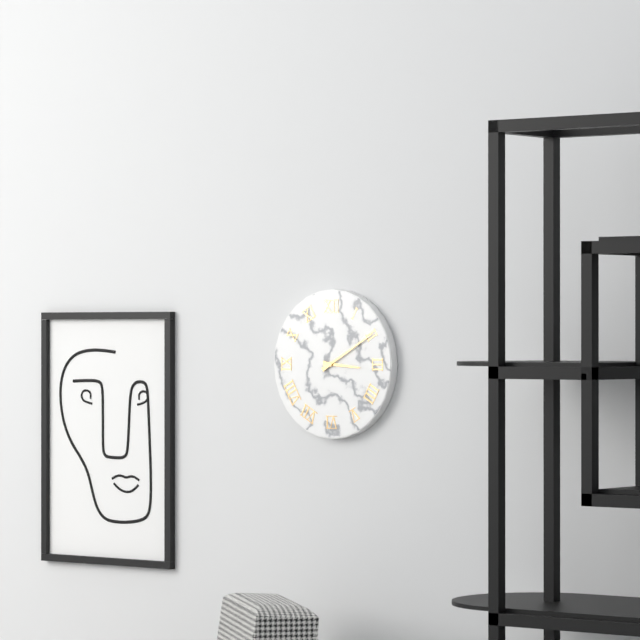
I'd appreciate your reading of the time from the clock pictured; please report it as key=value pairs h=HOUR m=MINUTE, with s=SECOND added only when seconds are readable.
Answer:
h=3 m=10
